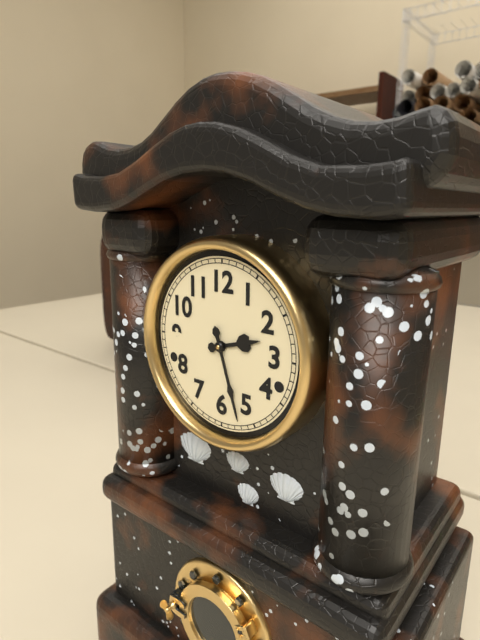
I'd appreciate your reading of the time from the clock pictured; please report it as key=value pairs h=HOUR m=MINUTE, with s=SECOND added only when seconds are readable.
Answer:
h=2 m=27
